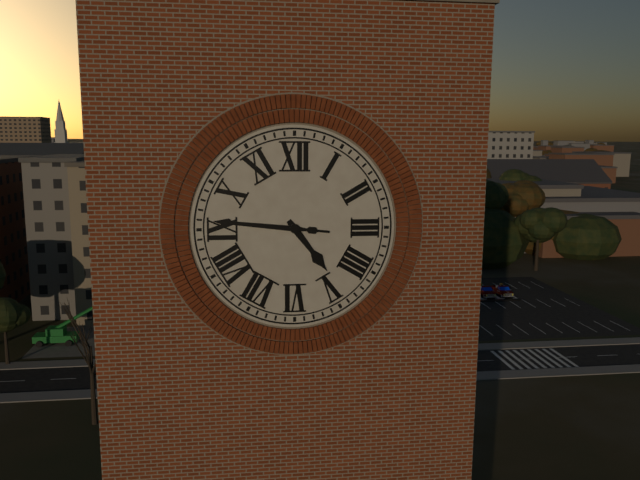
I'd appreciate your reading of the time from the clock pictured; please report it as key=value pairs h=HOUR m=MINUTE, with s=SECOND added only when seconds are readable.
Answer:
h=4 m=46
